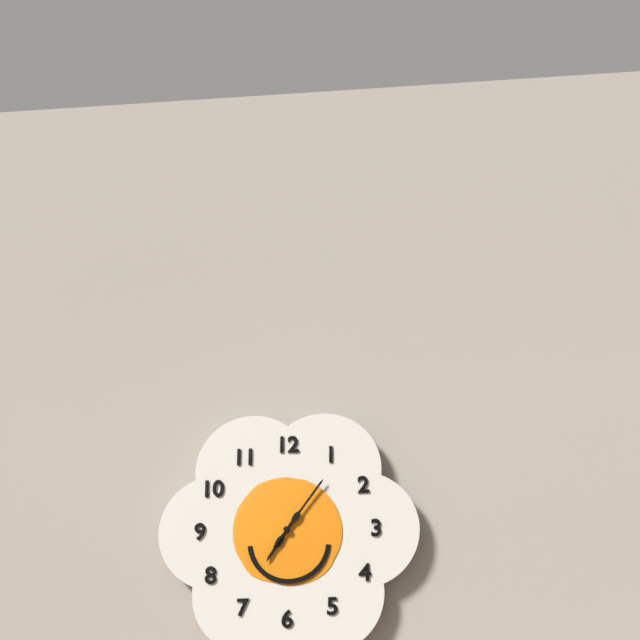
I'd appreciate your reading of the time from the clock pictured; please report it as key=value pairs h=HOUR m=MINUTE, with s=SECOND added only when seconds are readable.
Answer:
h=7 m=6
